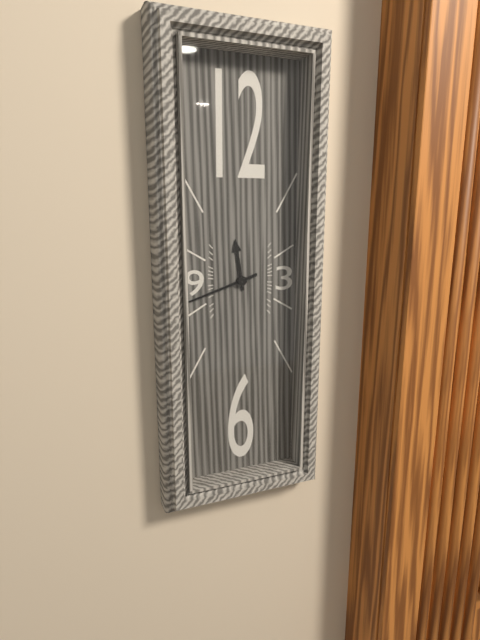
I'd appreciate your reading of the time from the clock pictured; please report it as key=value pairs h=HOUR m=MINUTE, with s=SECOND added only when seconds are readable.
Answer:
h=11 m=42
